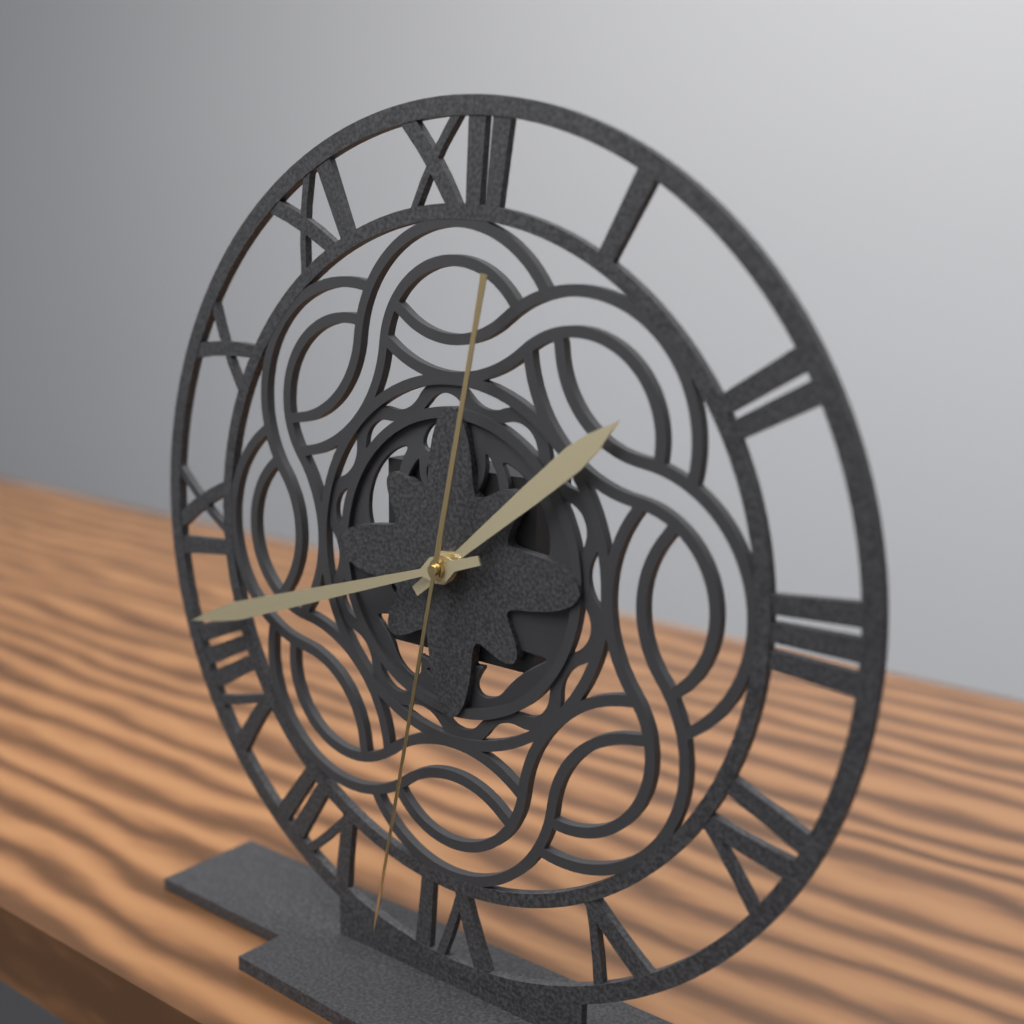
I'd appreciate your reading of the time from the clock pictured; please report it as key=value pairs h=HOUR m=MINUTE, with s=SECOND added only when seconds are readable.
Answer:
h=1 m=42 s=32
